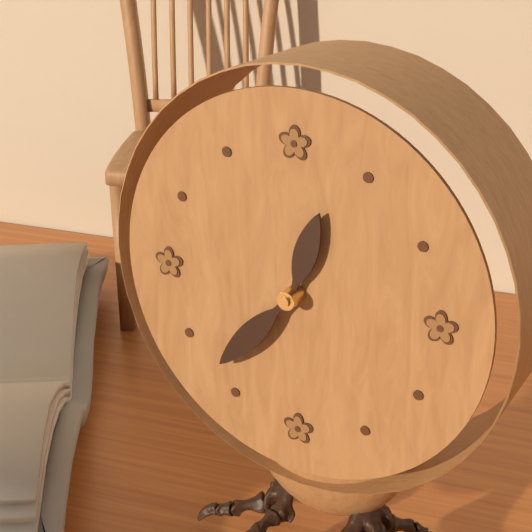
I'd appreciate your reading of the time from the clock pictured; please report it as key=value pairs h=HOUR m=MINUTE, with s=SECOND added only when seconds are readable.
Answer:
h=12 m=37
